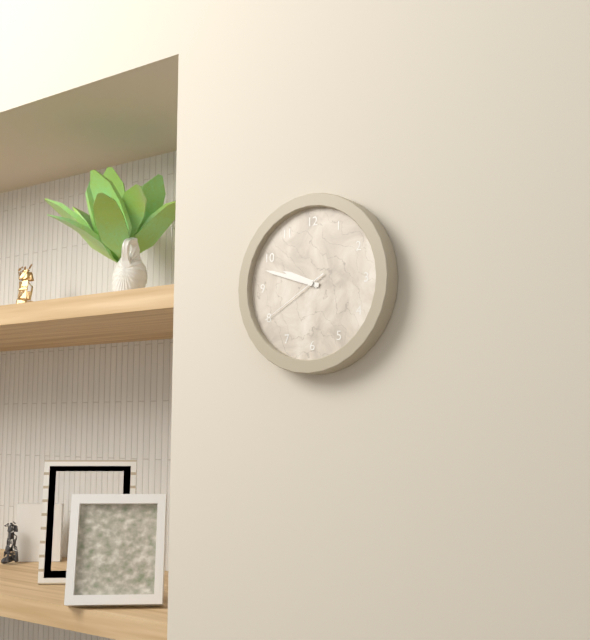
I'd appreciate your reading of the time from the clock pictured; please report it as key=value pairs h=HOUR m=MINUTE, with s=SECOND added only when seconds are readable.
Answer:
h=9 m=48 s=40
